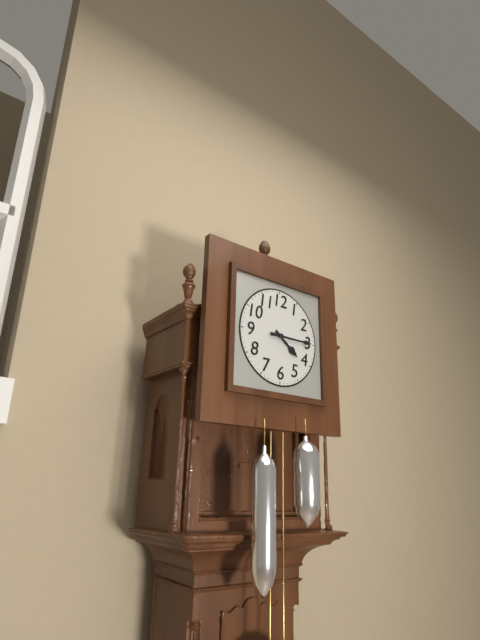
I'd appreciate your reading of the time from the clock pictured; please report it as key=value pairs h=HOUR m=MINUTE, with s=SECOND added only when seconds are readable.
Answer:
h=4 m=15
